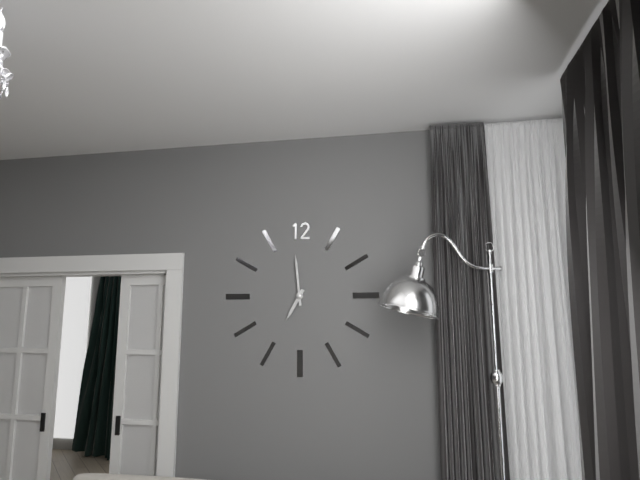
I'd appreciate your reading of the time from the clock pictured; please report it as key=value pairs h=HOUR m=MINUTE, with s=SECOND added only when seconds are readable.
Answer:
h=6 m=59
